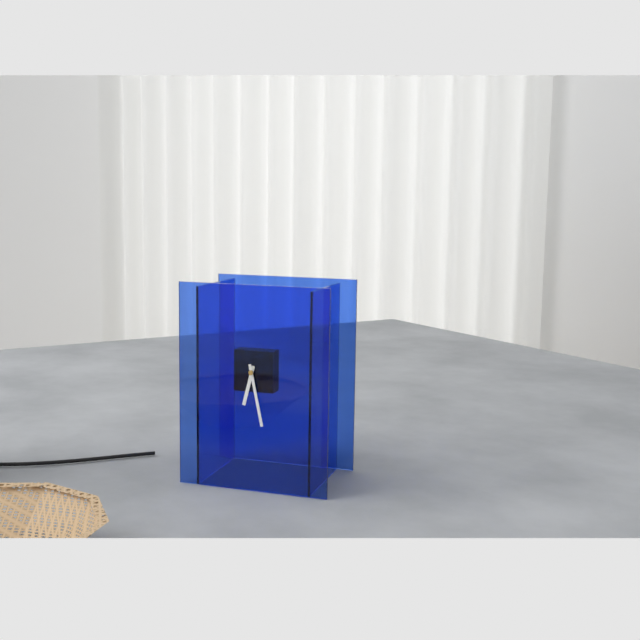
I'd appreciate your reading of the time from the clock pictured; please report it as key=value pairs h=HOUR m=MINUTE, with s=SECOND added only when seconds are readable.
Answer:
h=6 m=28
